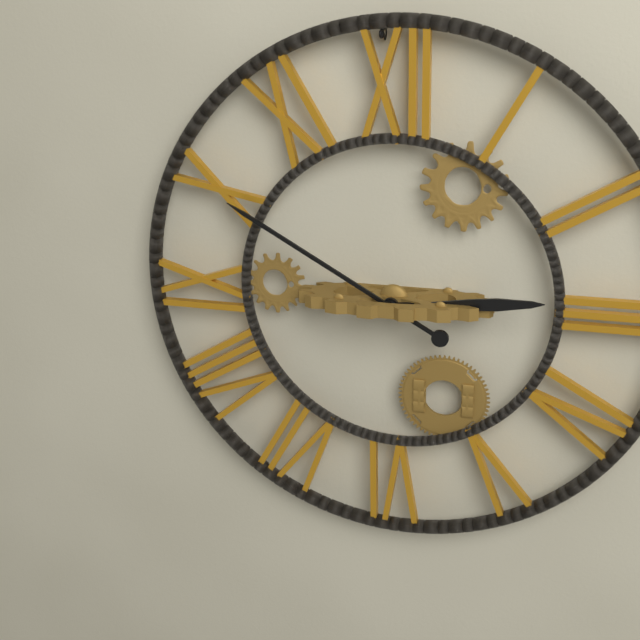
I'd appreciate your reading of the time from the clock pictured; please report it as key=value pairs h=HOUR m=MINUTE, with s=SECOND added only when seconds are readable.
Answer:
h=2 m=50
